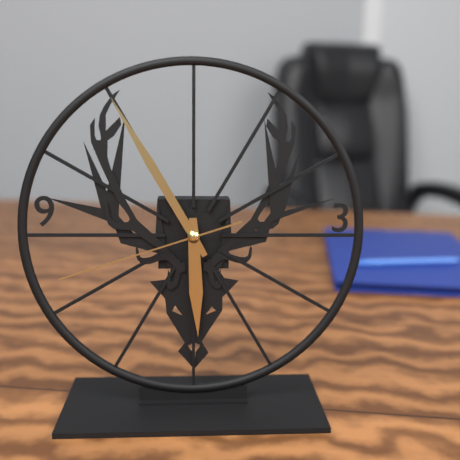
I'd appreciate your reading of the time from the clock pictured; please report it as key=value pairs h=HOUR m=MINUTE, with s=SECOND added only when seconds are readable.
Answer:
h=5 m=55 s=42
